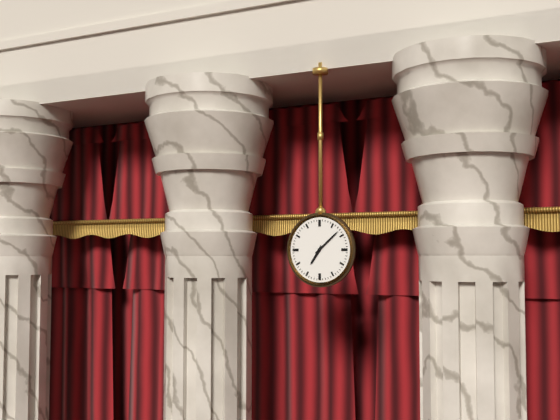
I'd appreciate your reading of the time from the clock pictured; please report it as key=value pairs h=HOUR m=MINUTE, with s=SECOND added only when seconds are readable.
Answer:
h=7 m=8
